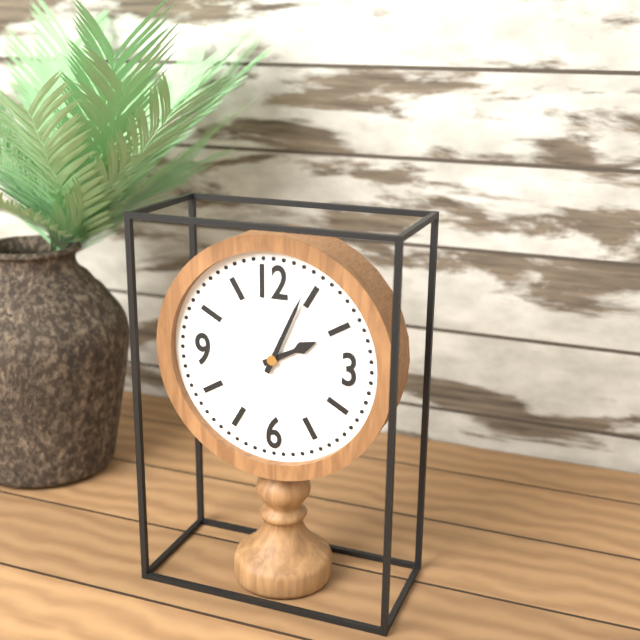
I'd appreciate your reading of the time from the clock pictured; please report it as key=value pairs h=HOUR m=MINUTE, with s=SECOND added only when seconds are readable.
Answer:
h=2 m=4
